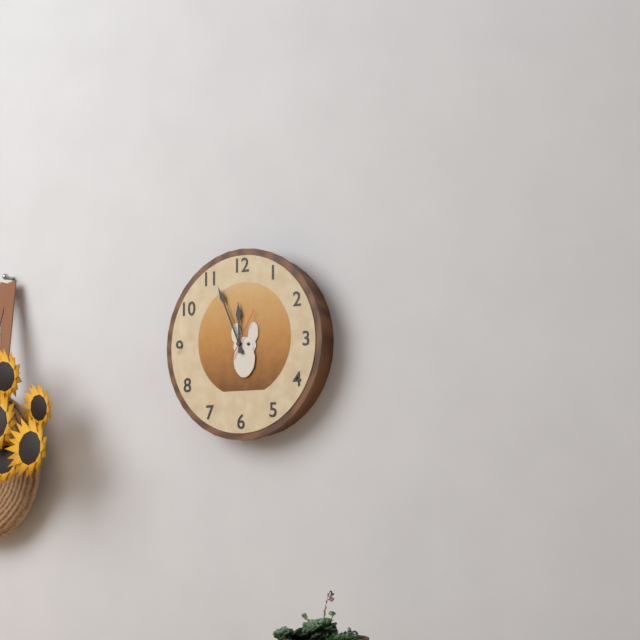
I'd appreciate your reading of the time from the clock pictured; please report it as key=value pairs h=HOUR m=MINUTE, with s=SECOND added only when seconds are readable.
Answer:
h=11 m=56
